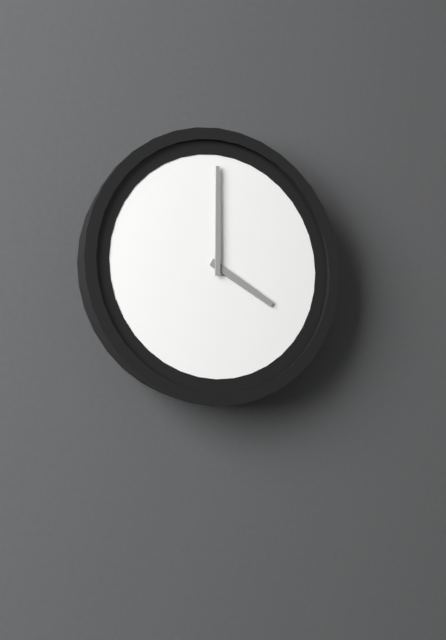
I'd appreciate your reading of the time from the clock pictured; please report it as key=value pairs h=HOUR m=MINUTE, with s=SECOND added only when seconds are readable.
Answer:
h=4 m=0
